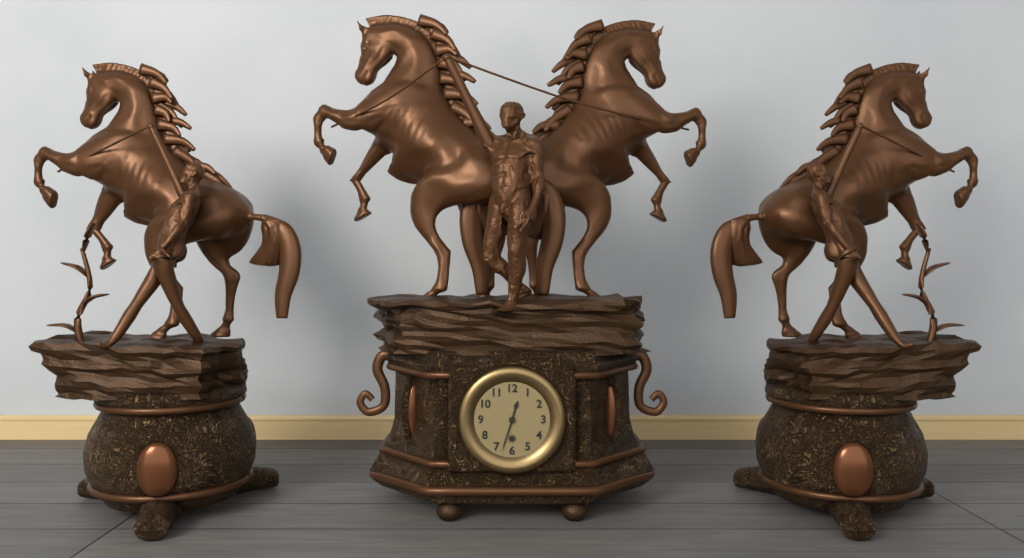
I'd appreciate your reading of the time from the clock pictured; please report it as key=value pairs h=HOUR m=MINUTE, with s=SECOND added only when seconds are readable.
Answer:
h=12 m=33
